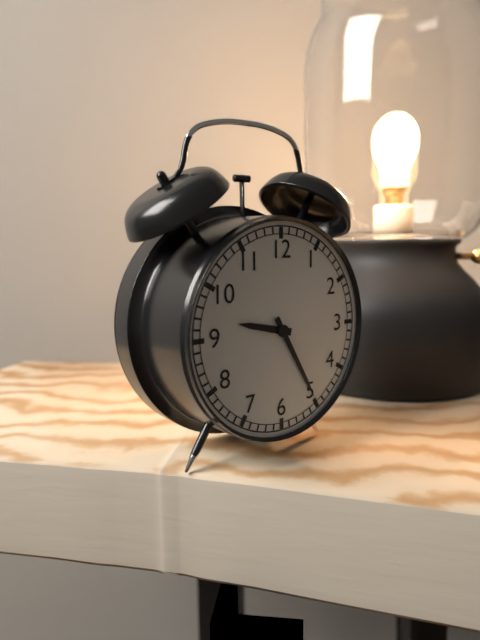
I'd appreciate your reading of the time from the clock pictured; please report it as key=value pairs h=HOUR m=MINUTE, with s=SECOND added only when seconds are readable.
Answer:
h=9 m=25
